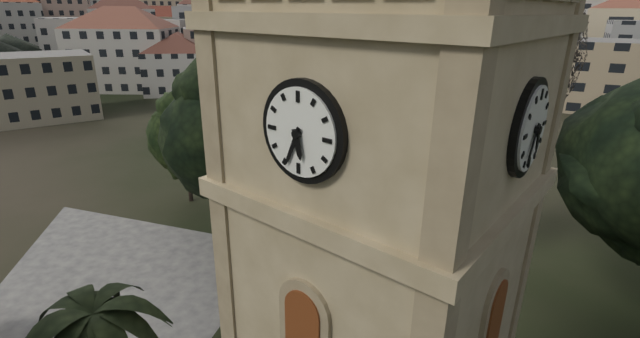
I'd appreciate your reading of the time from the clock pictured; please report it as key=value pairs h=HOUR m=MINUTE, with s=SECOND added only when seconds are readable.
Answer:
h=5 m=34
